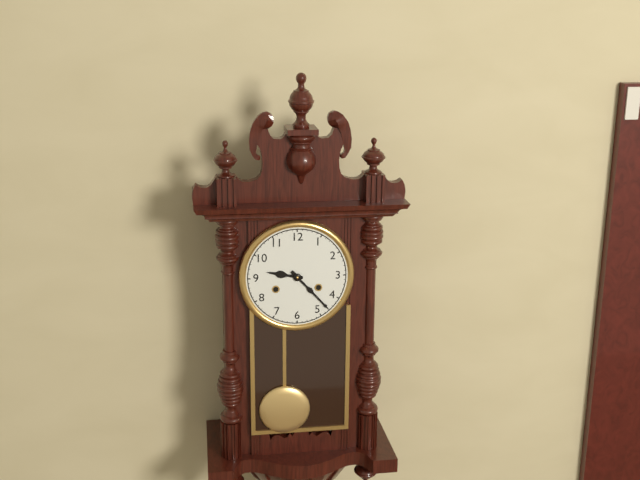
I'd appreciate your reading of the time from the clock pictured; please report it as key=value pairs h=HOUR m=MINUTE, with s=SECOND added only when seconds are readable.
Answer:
h=9 m=23
